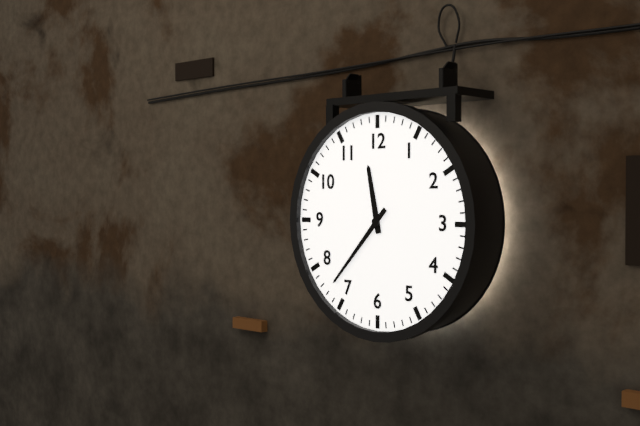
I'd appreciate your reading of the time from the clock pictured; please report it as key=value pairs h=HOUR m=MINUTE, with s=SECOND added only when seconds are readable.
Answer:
h=11 m=37
